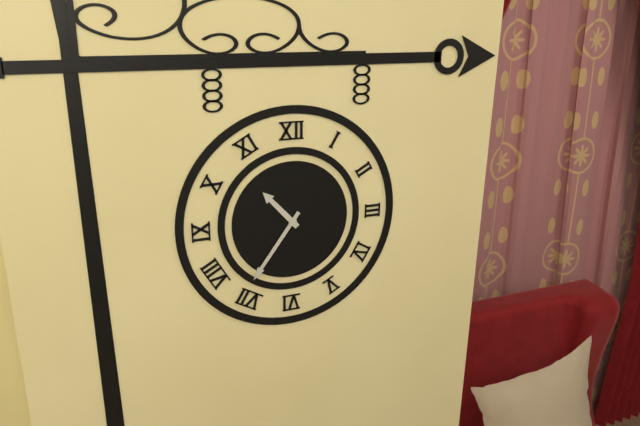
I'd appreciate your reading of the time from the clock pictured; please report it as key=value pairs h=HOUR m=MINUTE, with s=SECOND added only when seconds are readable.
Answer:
h=10 m=36
